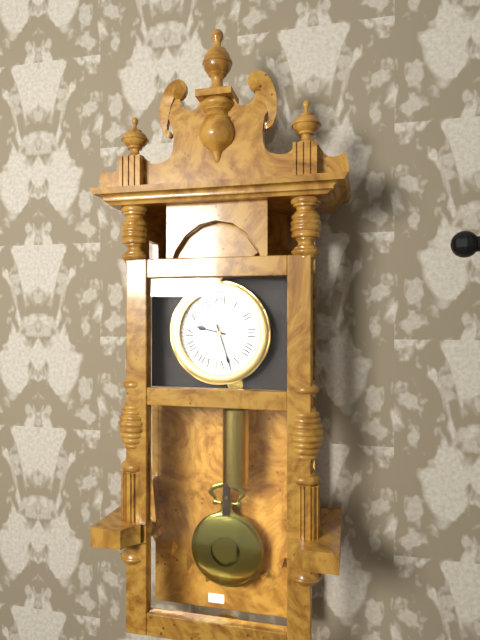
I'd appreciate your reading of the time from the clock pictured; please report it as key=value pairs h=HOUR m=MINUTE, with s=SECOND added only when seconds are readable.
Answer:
h=9 m=27
